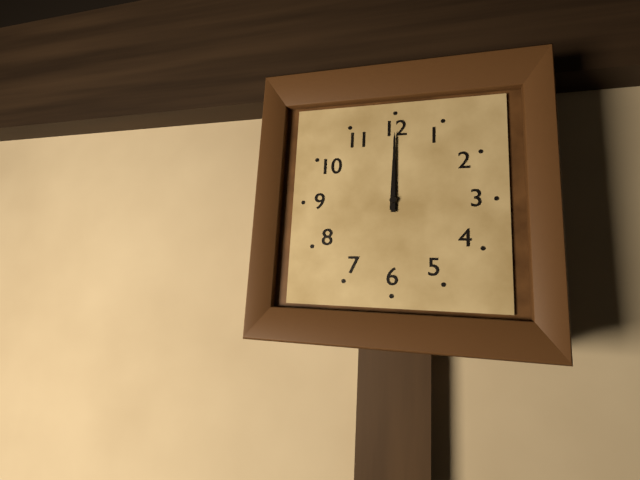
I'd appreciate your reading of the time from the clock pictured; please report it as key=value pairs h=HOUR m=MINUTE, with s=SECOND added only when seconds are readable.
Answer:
h=12 m=0
